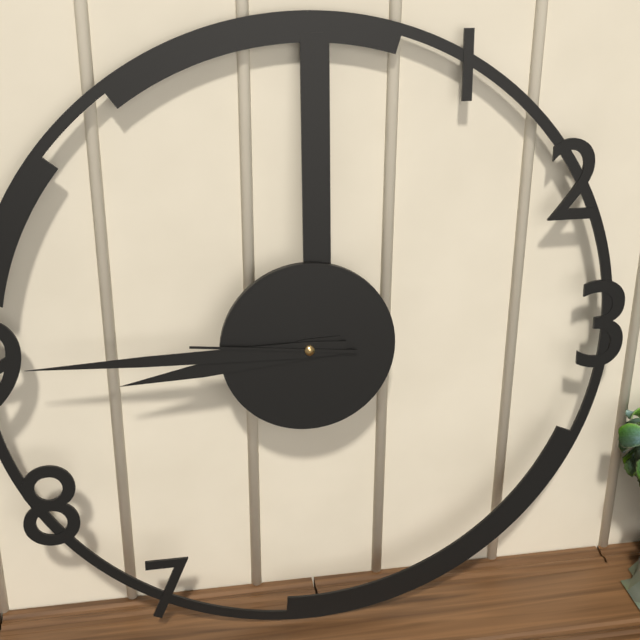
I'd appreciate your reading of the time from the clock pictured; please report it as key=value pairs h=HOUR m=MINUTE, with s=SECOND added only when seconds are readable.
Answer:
h=8 m=45 s=46
